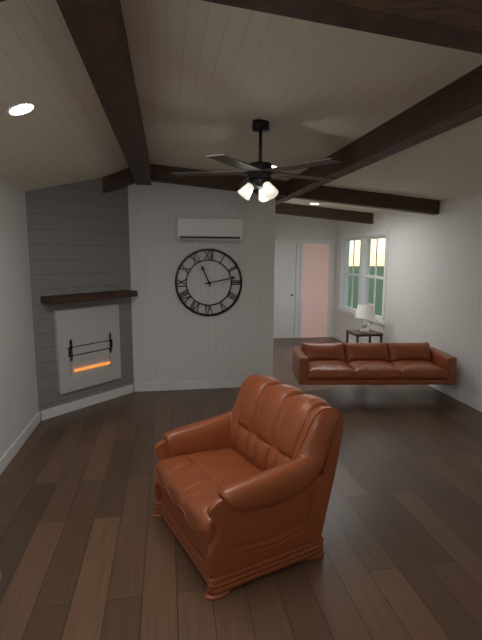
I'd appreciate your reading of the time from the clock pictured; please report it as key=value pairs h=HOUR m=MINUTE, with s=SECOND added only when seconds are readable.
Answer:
h=11 m=13
